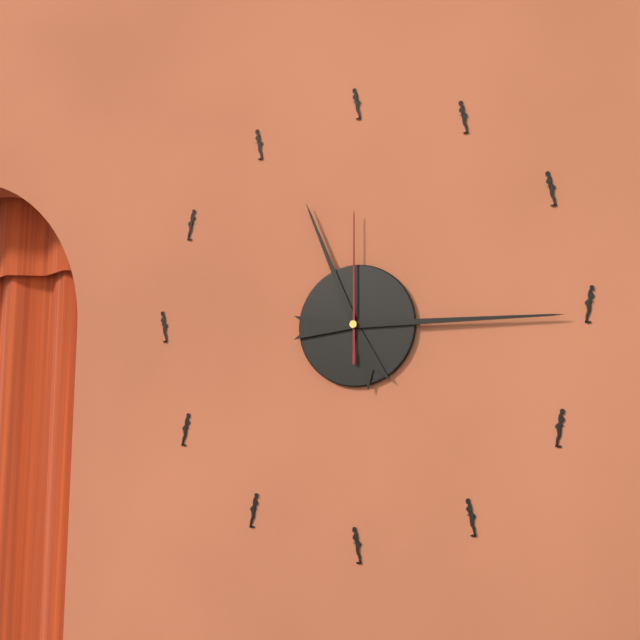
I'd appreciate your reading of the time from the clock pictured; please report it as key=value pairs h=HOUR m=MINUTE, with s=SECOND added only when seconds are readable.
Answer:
h=11 m=15 s=0
